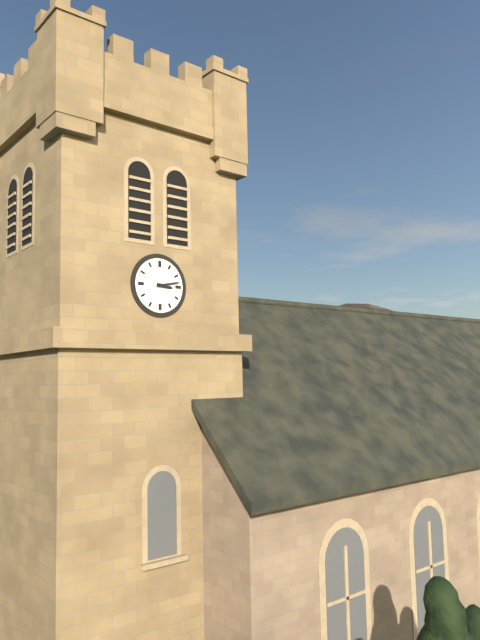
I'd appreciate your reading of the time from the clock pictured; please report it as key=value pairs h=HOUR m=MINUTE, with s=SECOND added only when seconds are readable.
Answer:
h=3 m=13
